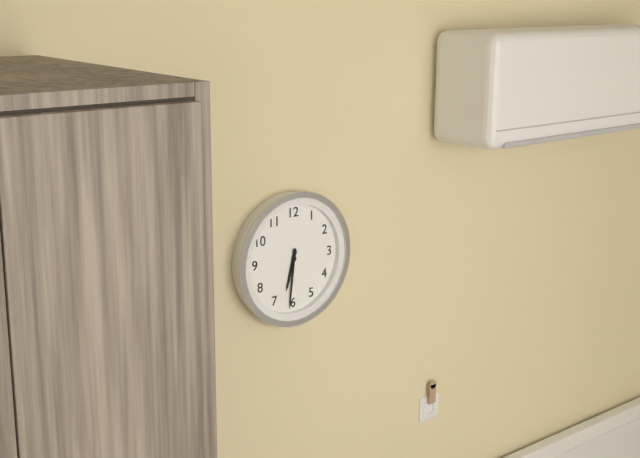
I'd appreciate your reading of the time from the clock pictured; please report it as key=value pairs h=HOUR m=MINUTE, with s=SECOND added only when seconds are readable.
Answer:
h=6 m=31
